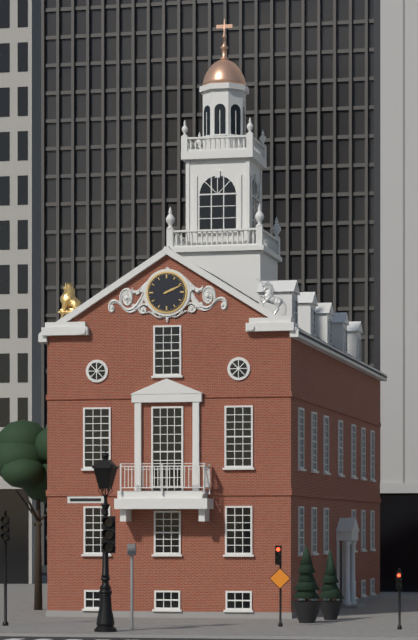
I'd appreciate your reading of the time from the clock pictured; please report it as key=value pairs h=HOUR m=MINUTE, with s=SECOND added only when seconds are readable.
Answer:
h=2 m=11
